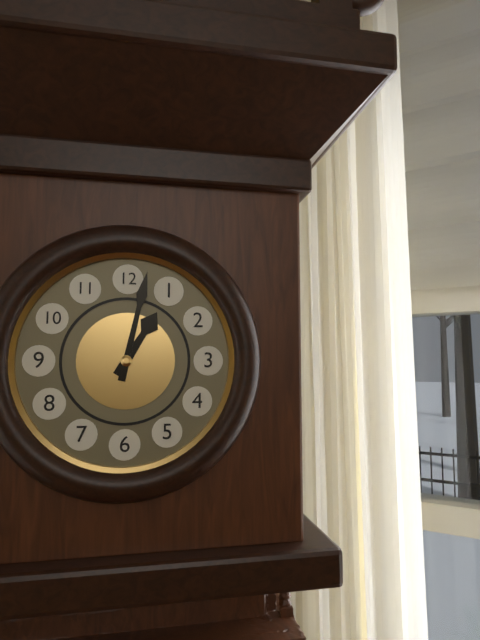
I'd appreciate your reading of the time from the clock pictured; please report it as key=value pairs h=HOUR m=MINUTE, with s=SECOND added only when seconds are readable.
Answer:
h=1 m=2
